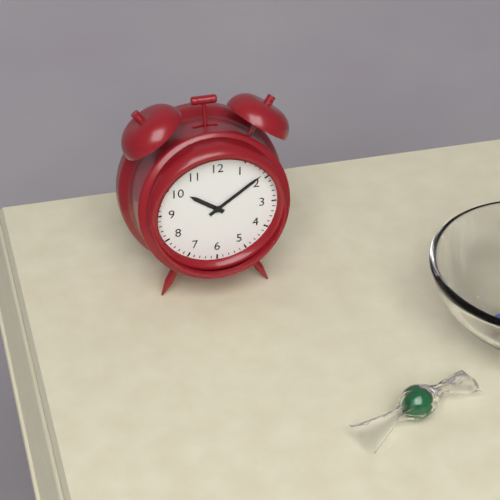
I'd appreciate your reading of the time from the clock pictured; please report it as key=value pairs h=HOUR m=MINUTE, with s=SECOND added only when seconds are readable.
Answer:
h=10 m=9
